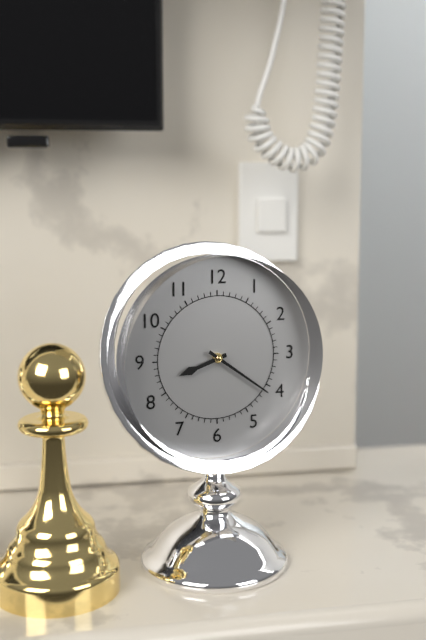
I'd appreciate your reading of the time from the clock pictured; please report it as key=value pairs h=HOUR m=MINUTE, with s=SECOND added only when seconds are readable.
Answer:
h=8 m=21
